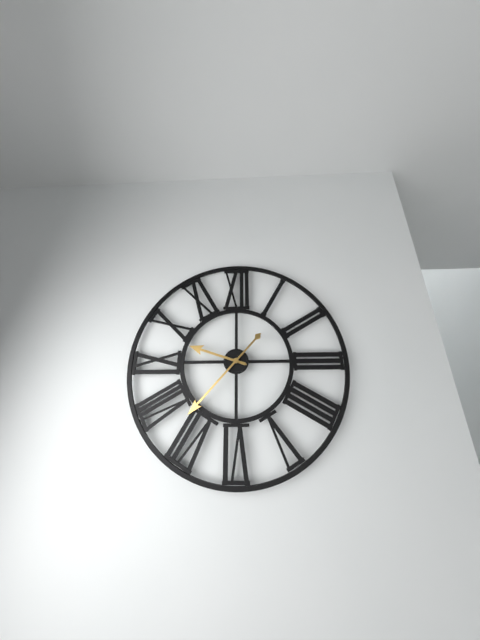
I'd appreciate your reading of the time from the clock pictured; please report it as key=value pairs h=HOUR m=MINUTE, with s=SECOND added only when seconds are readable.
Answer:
h=9 m=37
